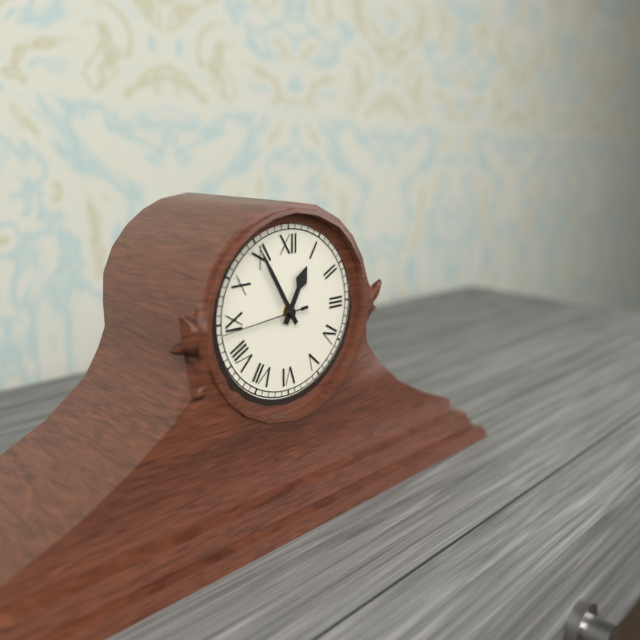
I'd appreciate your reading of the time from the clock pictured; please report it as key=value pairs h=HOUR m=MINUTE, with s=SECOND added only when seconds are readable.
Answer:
h=12 m=55 s=44
